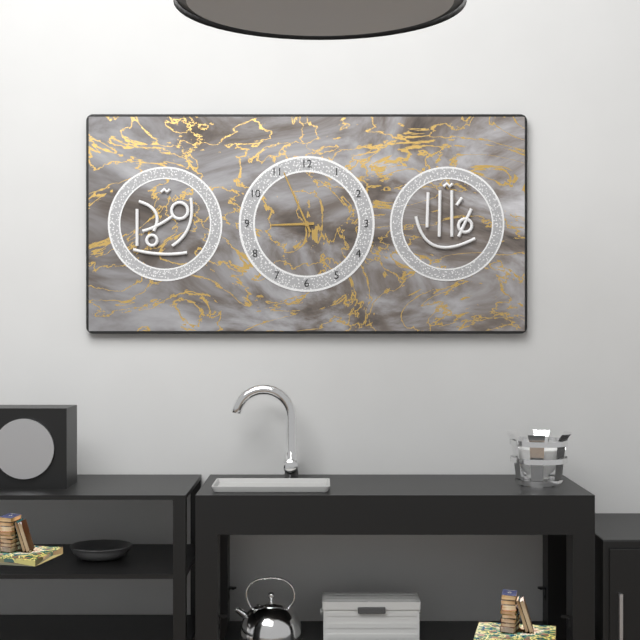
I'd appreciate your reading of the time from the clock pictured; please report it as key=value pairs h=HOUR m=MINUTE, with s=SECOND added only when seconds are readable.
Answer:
h=8 m=56
